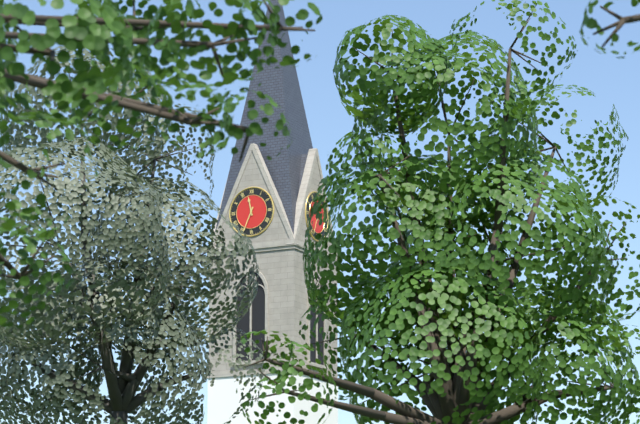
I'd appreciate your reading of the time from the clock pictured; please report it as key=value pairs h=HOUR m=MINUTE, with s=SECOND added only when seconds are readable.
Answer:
h=11 m=34
